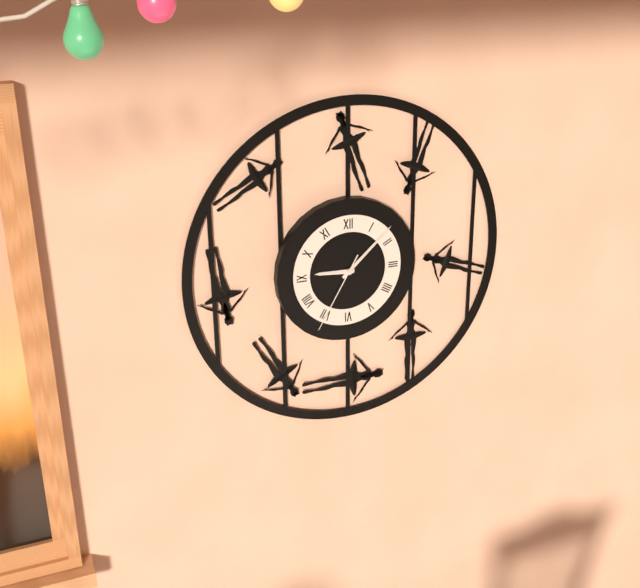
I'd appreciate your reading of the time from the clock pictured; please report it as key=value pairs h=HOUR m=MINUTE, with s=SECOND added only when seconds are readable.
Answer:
h=9 m=8 s=35
